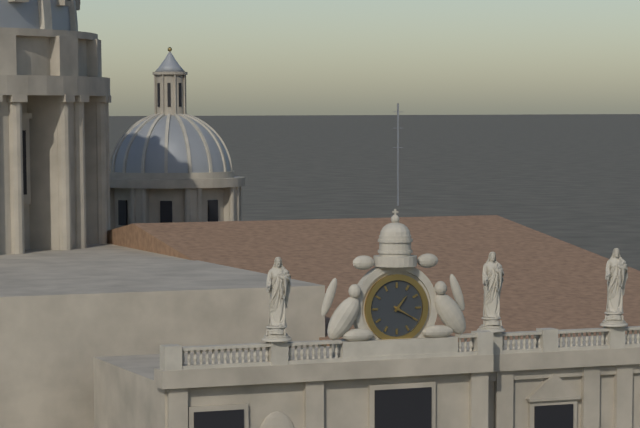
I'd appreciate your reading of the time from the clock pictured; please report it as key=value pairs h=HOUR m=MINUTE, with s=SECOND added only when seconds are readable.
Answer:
h=1 m=20
